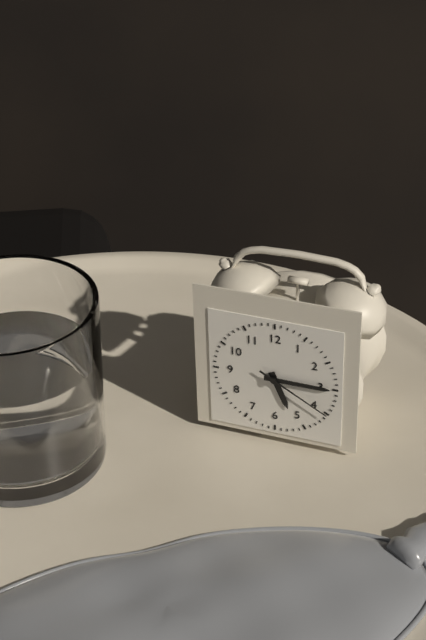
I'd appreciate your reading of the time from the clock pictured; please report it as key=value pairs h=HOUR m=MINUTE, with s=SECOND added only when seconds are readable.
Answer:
h=5 m=15 s=20
